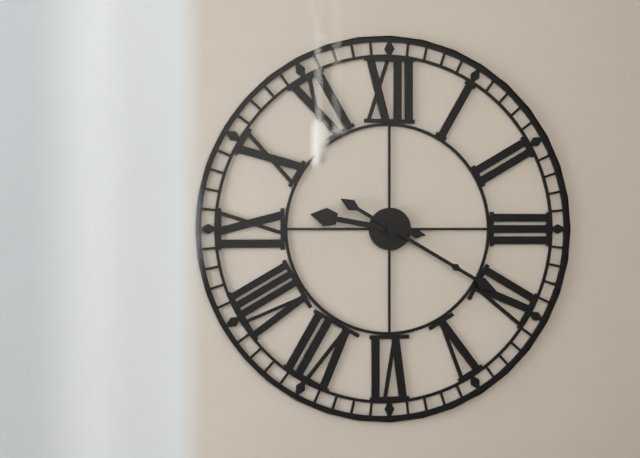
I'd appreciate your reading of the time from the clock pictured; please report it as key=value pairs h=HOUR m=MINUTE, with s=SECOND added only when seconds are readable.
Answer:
h=9 m=20
